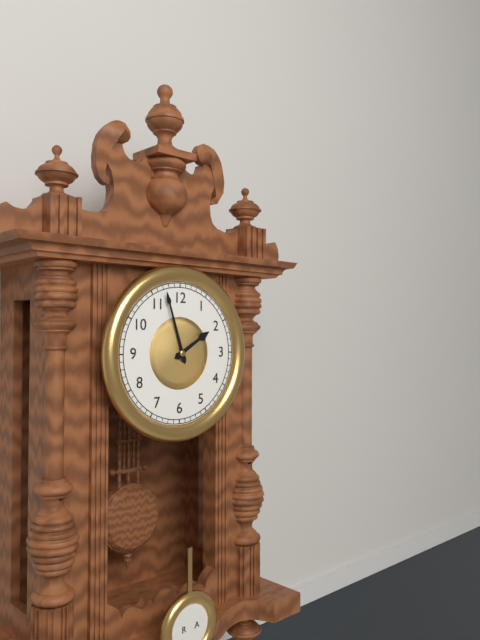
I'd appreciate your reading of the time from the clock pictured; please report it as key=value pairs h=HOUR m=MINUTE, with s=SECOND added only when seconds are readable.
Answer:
h=1 m=57
